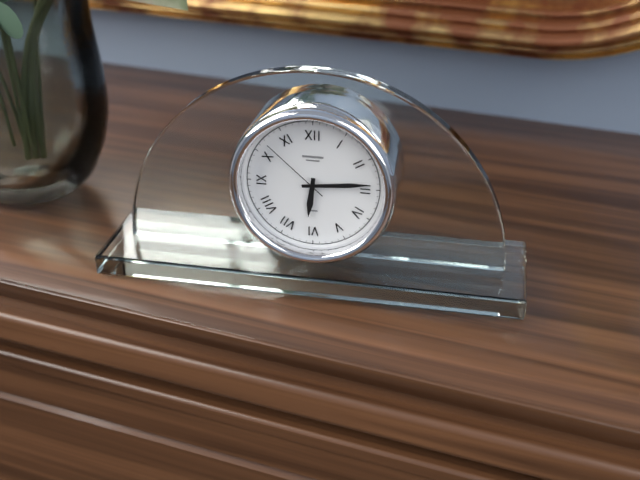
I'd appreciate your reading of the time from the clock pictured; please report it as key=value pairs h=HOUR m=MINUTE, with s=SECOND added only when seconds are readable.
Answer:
h=6 m=14 s=52
